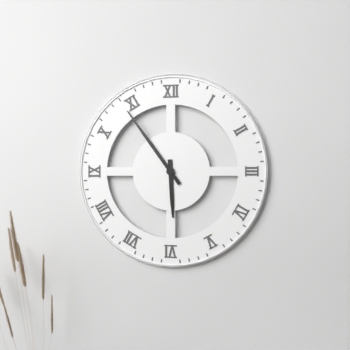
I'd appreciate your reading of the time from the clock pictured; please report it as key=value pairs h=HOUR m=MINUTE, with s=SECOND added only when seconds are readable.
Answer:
h=5 m=54
